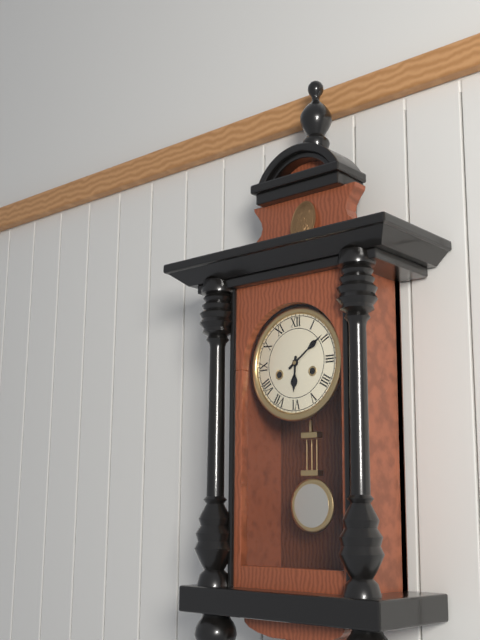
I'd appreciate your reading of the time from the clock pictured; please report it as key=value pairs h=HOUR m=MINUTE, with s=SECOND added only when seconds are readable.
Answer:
h=6 m=9
